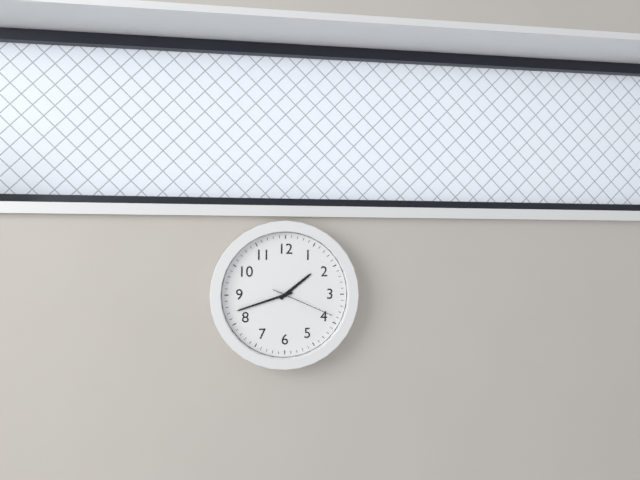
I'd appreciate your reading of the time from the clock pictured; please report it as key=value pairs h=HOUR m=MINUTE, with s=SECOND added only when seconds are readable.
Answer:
h=1 m=42 s=19
